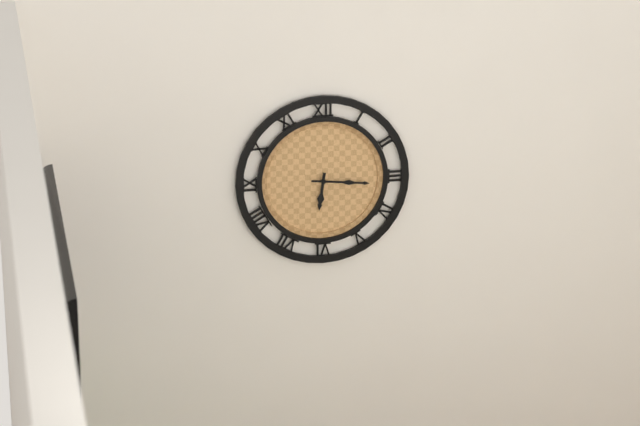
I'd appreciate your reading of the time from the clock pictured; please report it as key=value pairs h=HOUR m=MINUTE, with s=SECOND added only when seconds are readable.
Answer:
h=6 m=16
